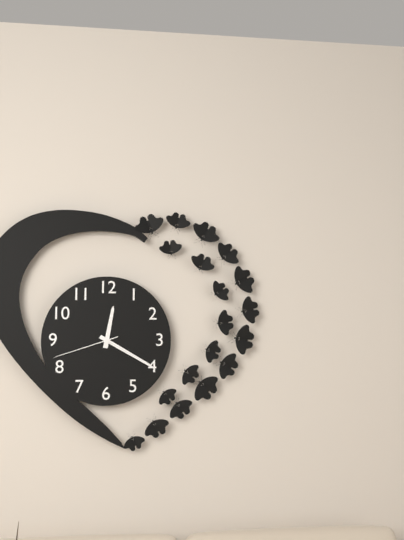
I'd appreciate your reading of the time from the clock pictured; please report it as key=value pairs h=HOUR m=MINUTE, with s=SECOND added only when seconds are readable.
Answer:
h=12 m=20 s=42
